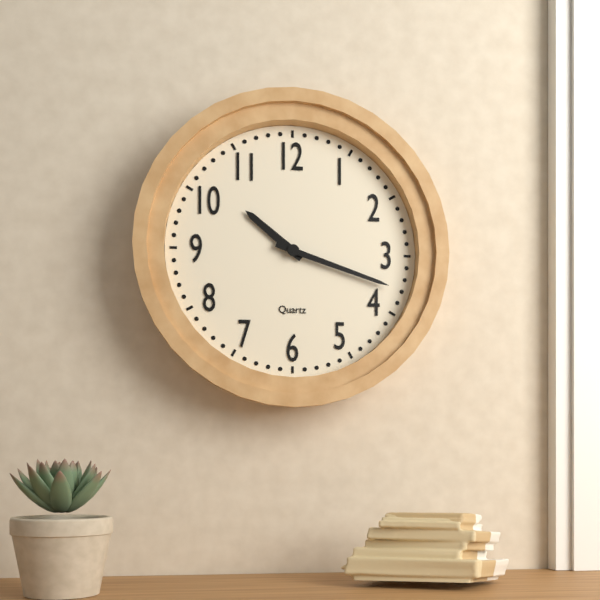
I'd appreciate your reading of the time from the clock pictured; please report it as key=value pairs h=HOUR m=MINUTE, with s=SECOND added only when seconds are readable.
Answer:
h=10 m=18
